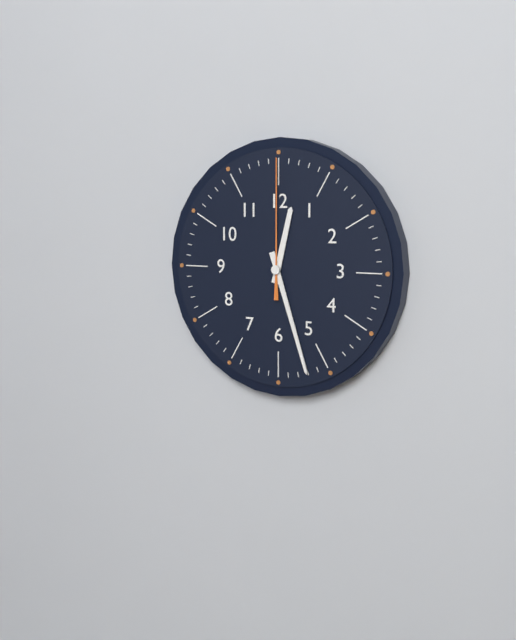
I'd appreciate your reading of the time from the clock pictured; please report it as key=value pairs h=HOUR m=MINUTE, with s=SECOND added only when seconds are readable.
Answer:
h=12 m=27 s=0
